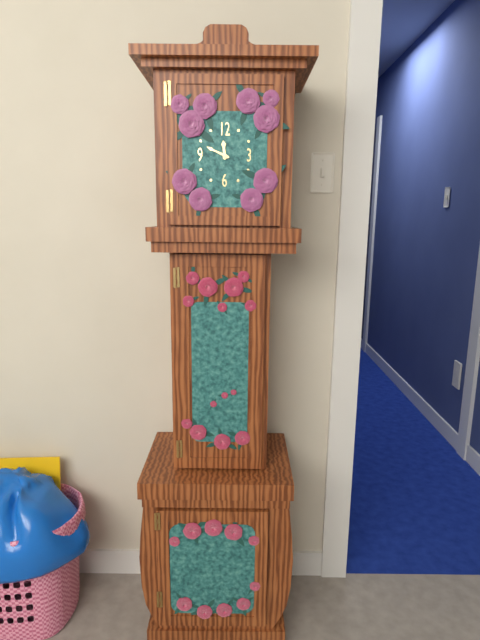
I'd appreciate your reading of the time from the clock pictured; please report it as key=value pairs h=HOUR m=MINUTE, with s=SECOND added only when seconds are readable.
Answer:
h=11 m=49
